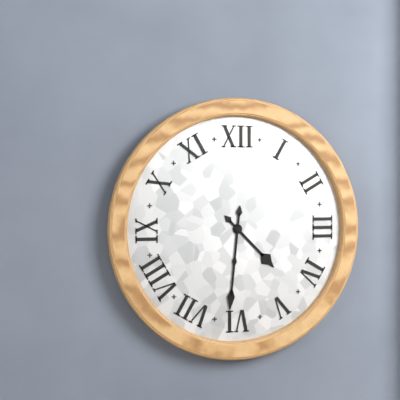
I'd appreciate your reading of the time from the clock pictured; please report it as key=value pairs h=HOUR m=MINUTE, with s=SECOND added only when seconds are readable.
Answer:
h=4 m=31
